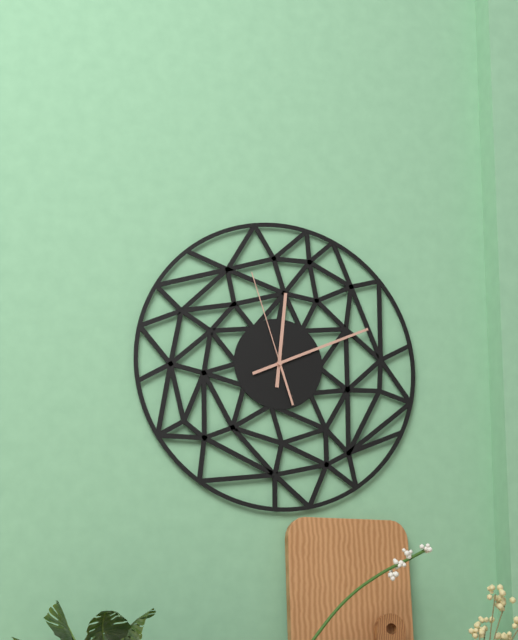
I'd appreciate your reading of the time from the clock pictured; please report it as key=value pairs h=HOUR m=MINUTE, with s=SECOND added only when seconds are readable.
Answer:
h=12 m=11 s=57
